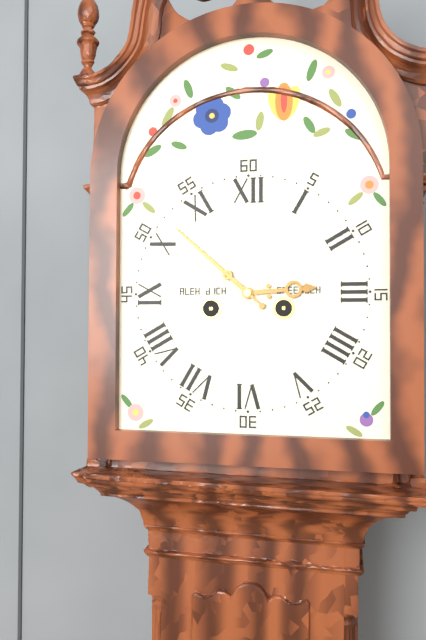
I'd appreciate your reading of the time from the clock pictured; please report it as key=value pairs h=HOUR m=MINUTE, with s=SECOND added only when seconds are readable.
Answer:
h=2 m=52
